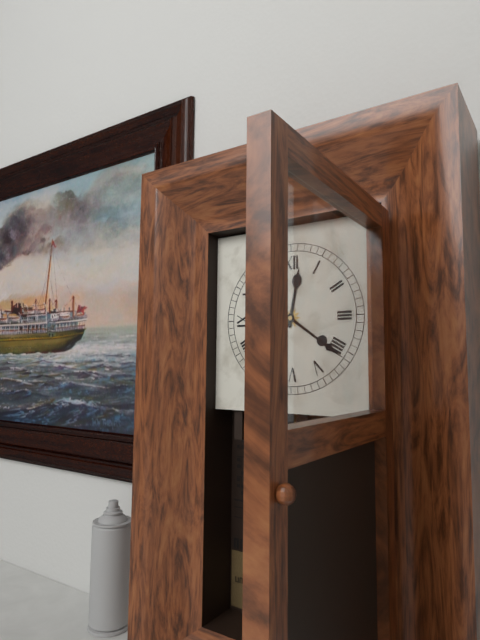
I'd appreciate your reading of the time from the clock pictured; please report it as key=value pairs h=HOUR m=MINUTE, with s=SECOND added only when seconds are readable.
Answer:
h=12 m=21
